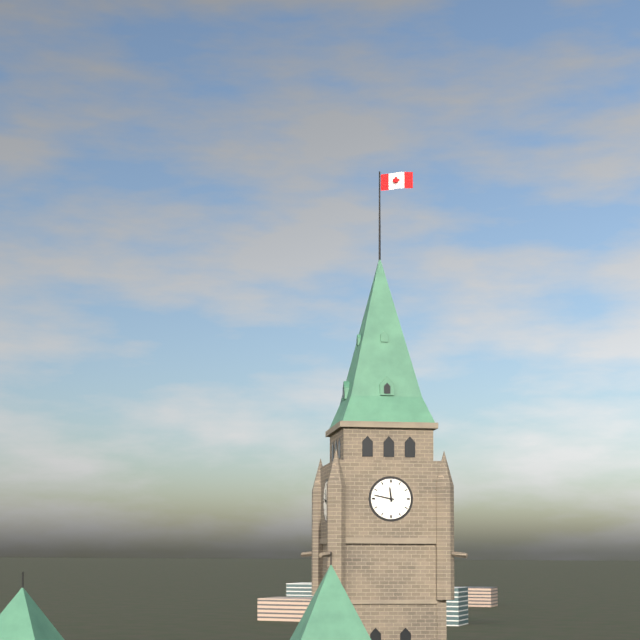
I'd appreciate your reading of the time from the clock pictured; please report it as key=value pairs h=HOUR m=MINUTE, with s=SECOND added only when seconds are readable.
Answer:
h=11 m=47
